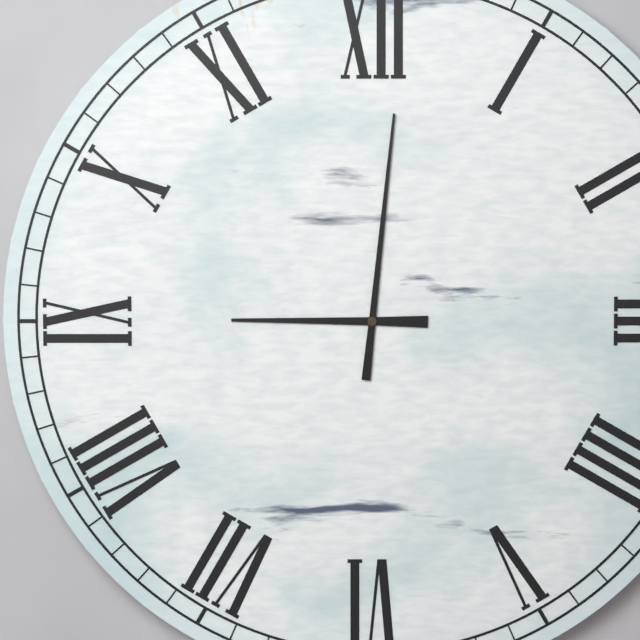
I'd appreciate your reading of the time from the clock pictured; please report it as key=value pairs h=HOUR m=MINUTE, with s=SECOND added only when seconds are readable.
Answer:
h=9 m=1
